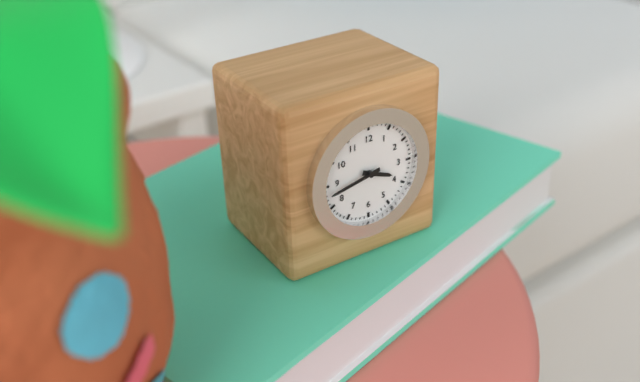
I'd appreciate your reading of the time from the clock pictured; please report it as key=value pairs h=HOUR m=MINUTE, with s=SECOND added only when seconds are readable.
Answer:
h=3 m=43
